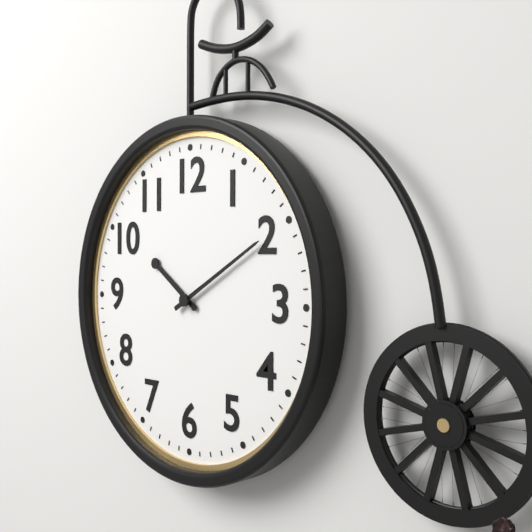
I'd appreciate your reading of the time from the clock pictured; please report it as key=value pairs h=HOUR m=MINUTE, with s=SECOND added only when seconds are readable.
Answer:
h=10 m=10
